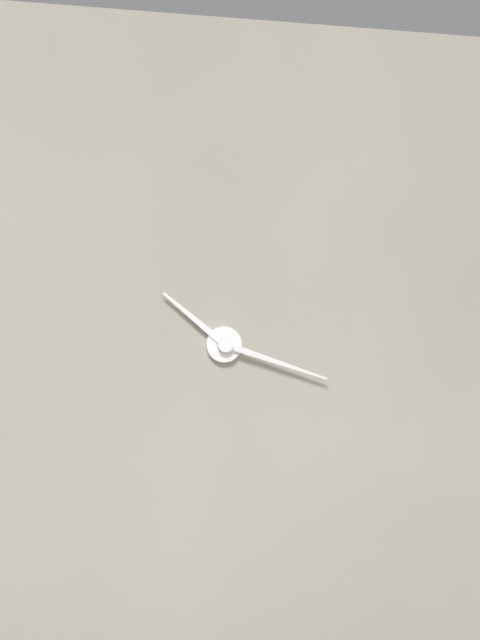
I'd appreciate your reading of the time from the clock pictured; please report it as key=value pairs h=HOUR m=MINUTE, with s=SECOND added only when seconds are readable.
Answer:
h=10 m=18
